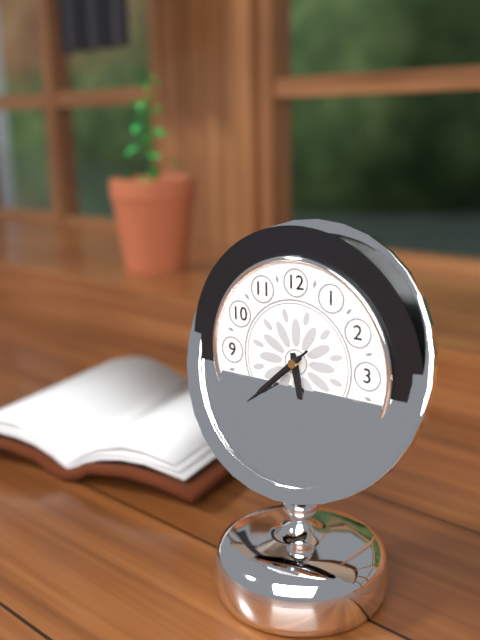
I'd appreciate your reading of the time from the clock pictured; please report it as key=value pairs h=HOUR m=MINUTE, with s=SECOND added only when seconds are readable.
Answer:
h=5 m=38 s=38
